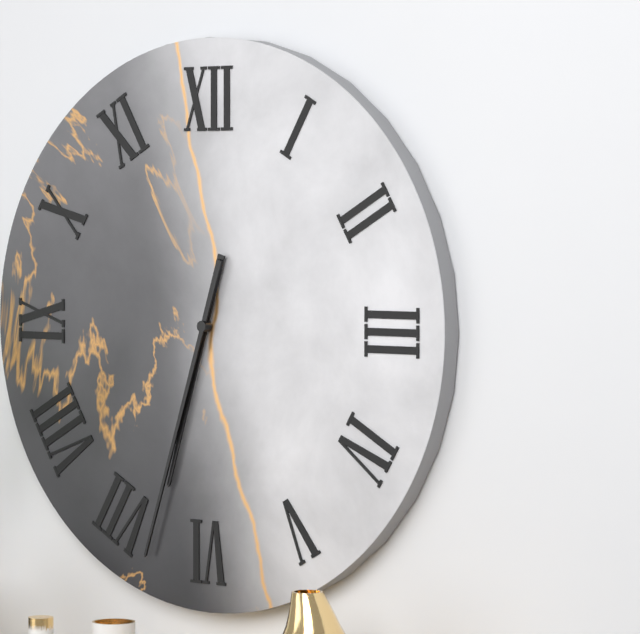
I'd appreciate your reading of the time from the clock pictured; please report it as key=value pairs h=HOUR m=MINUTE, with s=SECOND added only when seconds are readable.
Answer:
h=6 m=33
